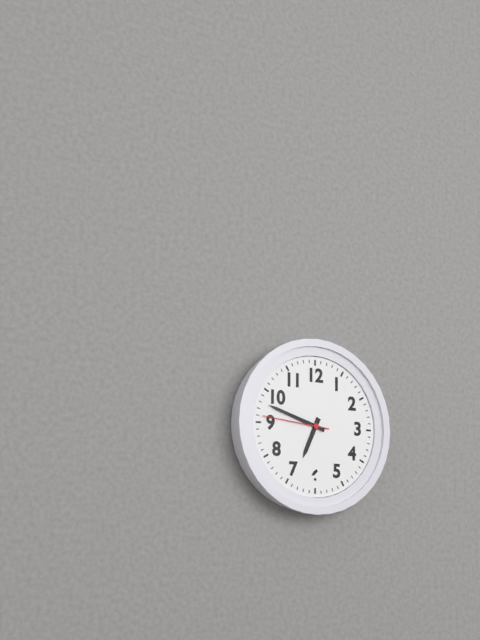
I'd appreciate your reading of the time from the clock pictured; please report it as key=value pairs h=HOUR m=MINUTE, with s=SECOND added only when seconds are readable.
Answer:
h=6 m=48 s=46
